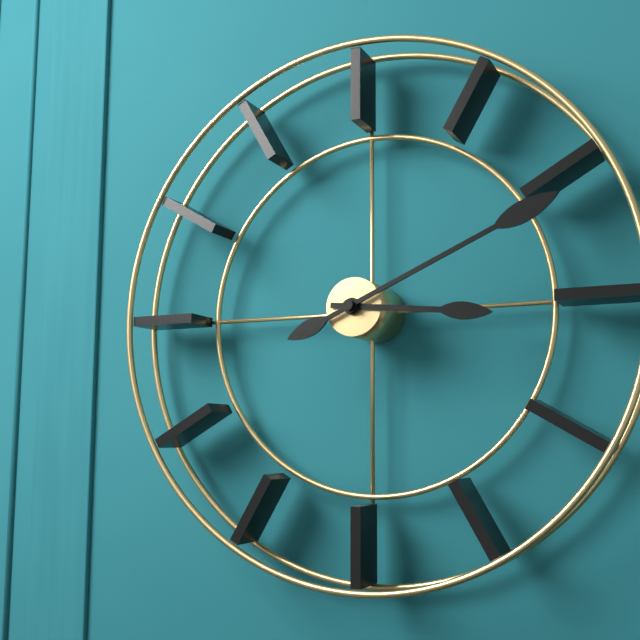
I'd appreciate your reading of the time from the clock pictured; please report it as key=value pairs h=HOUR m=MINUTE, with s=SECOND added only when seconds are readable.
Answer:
h=3 m=11
